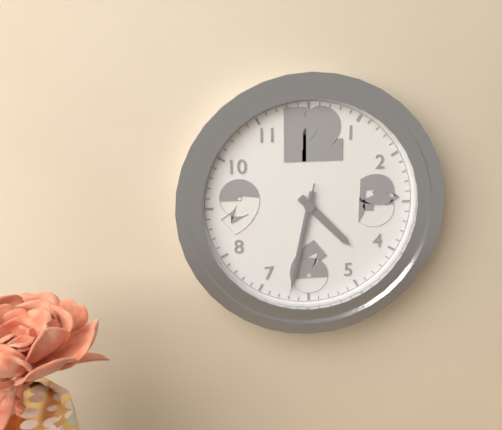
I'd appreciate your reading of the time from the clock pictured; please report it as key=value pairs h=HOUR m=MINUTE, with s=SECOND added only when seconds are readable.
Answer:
h=4 m=32 s=32
